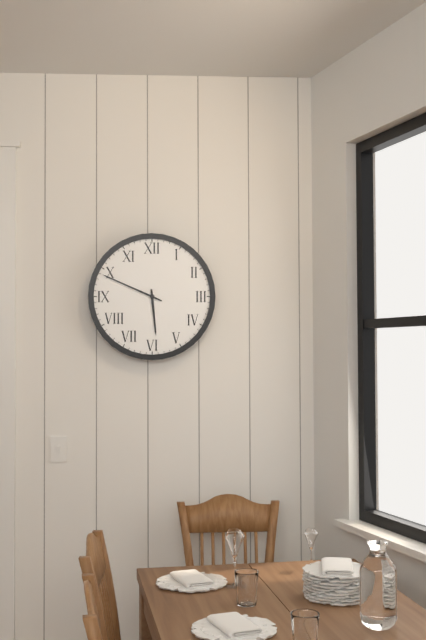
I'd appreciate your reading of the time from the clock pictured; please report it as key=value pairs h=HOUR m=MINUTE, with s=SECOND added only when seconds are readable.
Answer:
h=5 m=49
